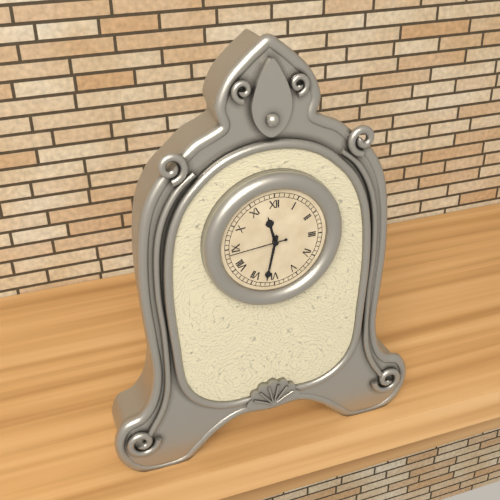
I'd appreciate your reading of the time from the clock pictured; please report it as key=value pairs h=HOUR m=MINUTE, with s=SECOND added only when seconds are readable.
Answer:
h=11 m=32 s=44
